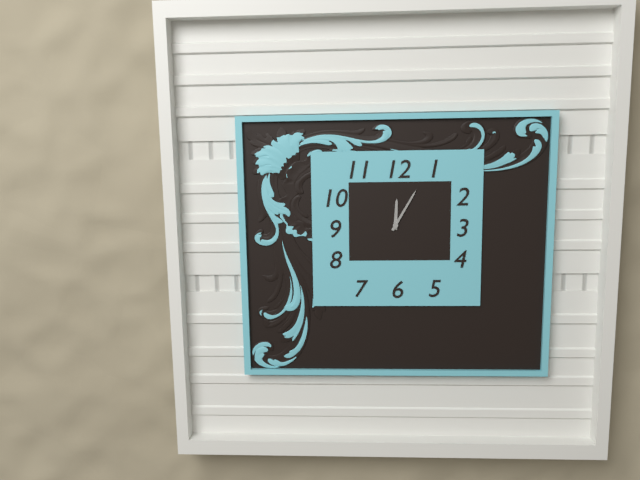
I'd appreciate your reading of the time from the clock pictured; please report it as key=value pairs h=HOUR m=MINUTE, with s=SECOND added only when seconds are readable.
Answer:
h=12 m=5
